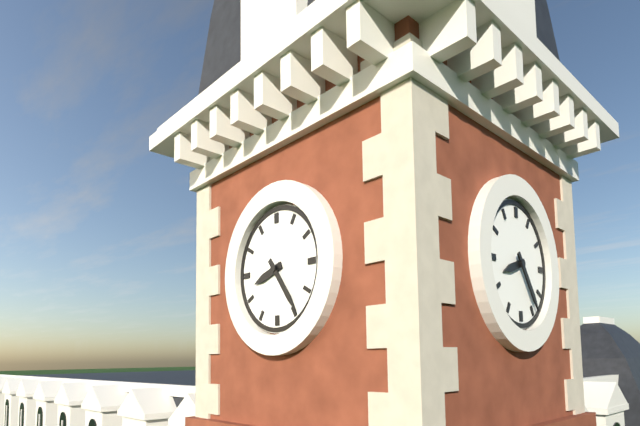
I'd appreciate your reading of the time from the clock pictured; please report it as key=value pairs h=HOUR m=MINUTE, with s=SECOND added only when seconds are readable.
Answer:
h=8 m=24
